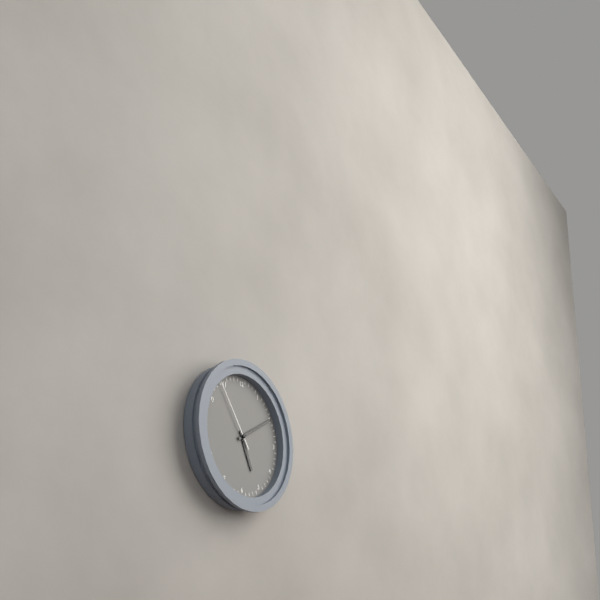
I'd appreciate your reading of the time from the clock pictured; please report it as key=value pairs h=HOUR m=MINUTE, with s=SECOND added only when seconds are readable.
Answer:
h=5 m=10 s=54
